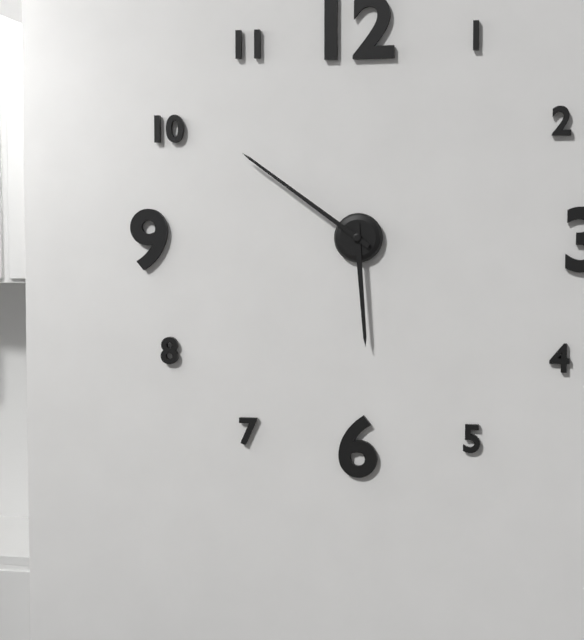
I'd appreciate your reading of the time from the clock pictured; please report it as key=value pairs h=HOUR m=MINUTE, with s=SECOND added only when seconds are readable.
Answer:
h=5 m=51
